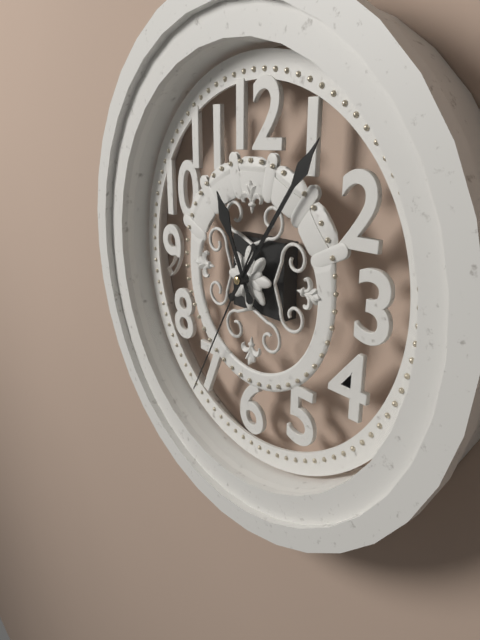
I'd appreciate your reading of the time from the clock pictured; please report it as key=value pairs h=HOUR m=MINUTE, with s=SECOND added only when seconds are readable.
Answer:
h=11 m=6 s=35
